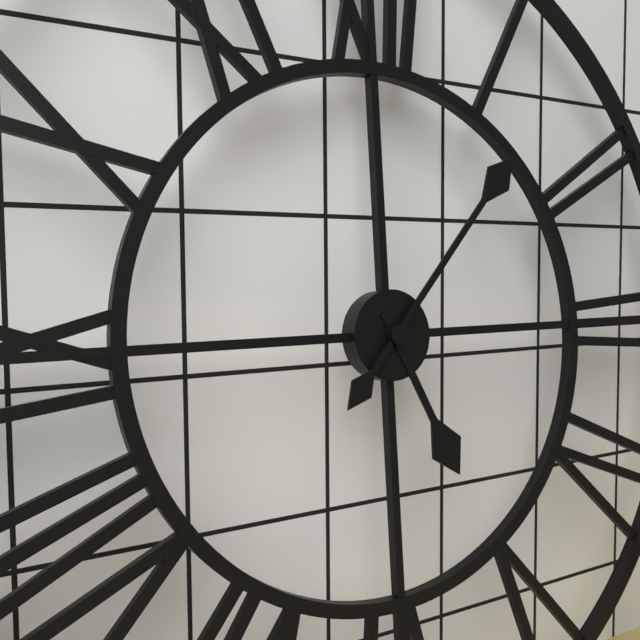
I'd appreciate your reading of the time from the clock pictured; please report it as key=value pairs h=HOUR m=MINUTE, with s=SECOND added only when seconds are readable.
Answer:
h=5 m=7
